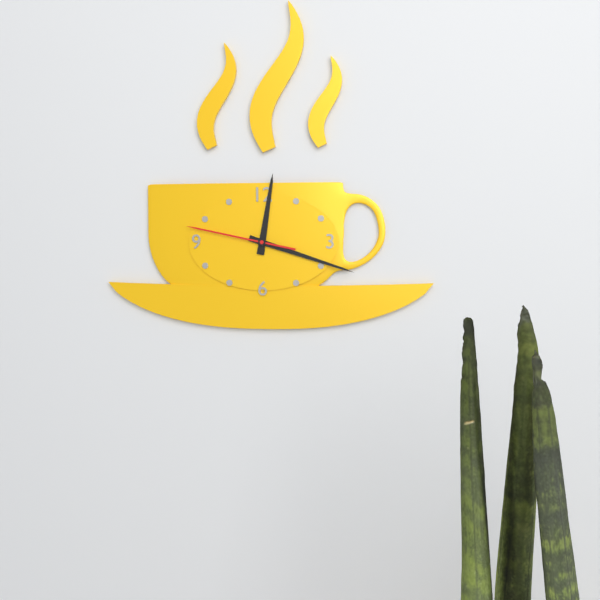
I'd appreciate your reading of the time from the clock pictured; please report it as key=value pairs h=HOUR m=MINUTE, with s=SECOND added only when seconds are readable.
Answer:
h=12 m=18 s=47
